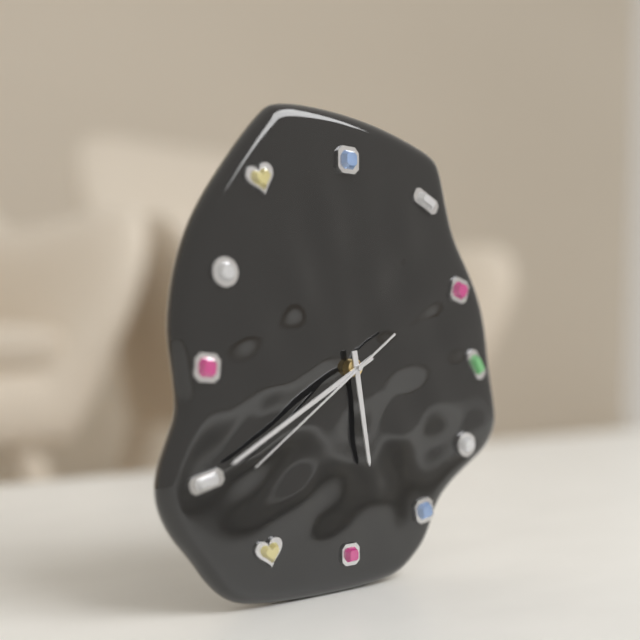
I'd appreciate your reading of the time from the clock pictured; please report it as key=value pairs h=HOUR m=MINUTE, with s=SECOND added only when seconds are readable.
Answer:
h=5 m=40 s=39
